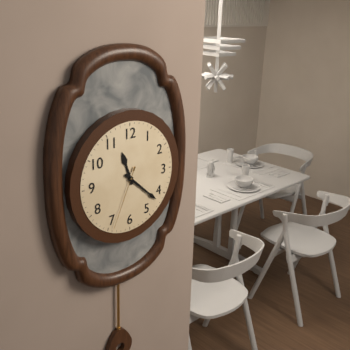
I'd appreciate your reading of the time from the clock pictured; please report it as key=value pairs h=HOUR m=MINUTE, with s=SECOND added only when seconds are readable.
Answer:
h=11 m=22 s=34
